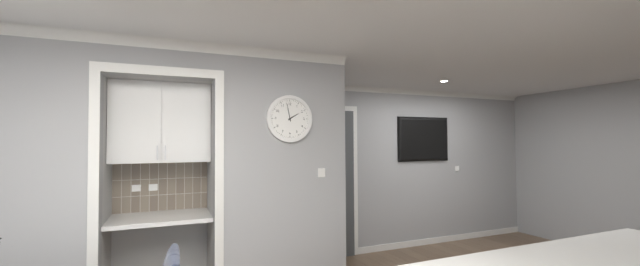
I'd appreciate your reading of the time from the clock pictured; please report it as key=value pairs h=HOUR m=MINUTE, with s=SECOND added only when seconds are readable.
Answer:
h=1 m=58
